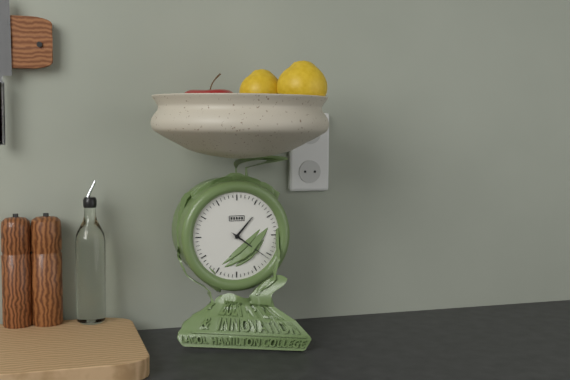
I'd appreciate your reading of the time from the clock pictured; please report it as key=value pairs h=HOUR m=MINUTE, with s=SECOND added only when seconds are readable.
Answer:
h=1 m=21
